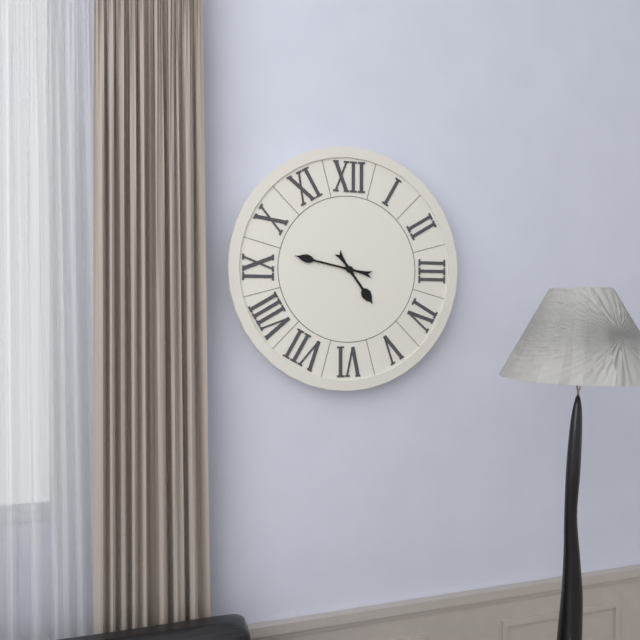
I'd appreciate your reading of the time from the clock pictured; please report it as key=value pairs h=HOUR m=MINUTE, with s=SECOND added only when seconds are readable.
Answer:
h=4 m=47
